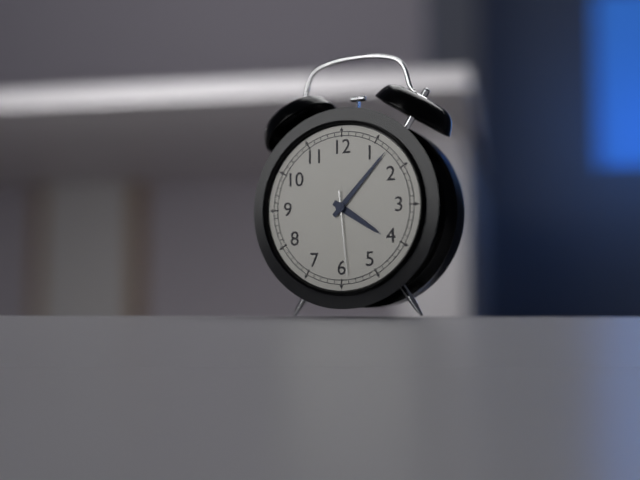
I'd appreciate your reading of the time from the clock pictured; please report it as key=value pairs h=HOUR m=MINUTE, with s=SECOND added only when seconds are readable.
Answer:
h=4 m=7 s=29
